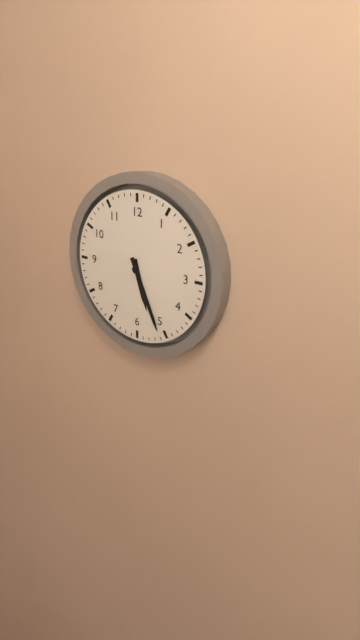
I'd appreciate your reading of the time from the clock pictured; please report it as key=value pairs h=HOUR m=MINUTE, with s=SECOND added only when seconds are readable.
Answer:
h=5 m=26
